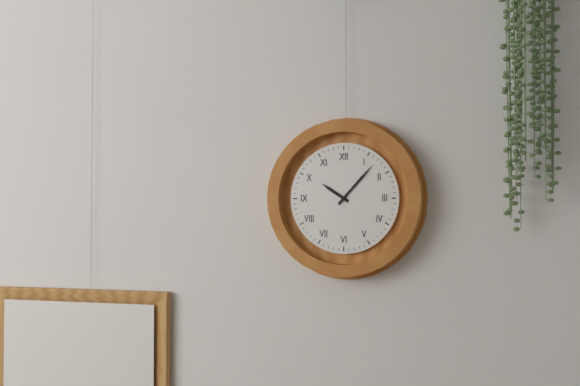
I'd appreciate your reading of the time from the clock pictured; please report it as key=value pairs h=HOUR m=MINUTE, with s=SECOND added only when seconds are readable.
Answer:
h=10 m=7
